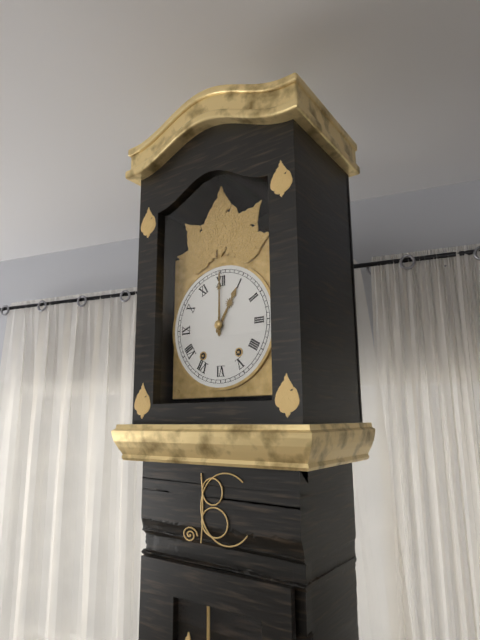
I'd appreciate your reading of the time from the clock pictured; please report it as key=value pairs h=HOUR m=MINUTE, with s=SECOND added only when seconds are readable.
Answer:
h=1 m=0
